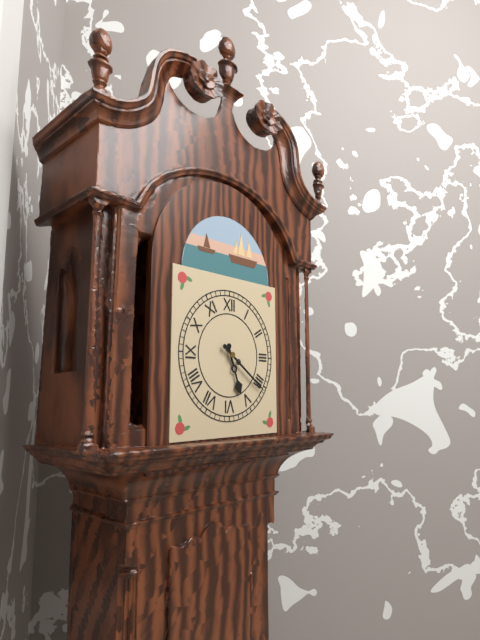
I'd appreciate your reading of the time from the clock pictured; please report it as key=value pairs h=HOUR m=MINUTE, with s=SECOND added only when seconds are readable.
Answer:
h=5 m=21
